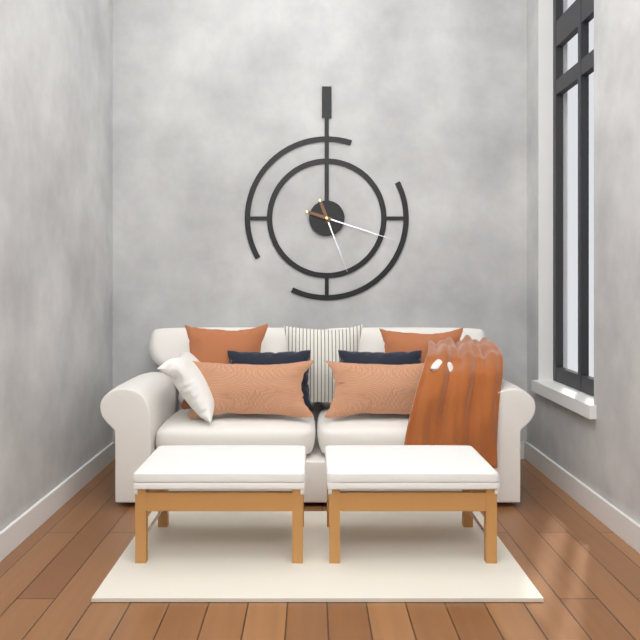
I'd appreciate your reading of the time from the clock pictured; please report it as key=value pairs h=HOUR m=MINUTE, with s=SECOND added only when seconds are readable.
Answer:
h=5 m=18
